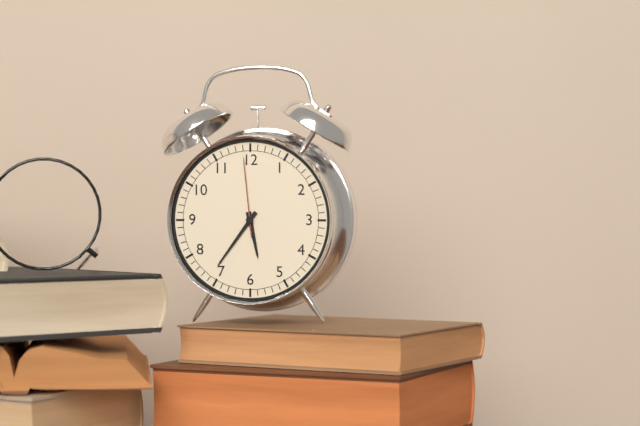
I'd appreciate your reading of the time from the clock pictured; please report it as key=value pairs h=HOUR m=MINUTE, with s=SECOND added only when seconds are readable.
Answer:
h=5 m=36 s=59
